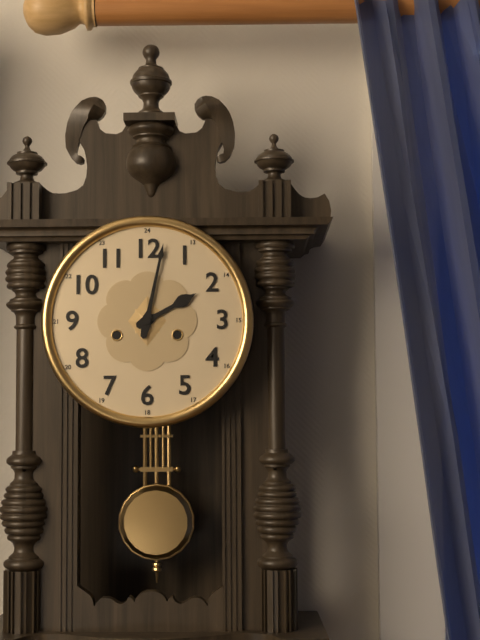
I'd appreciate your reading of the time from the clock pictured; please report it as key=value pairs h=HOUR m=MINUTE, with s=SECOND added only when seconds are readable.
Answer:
h=2 m=2
